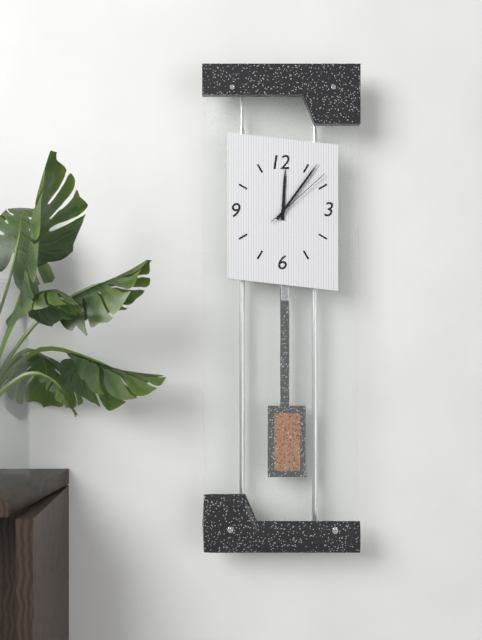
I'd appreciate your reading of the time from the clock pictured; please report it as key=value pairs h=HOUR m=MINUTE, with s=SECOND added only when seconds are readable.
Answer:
h=12 m=6 s=8
